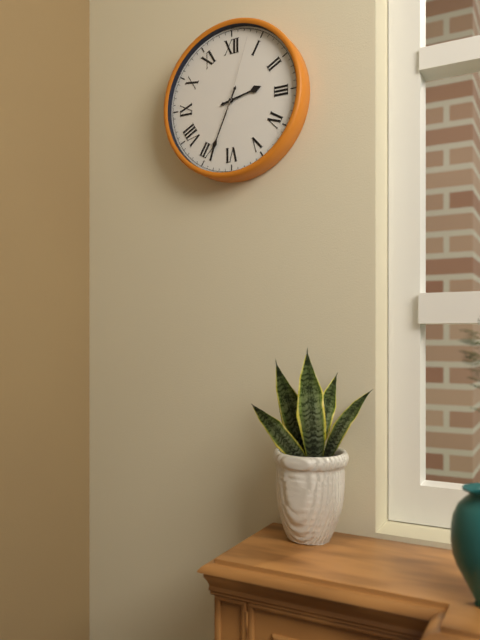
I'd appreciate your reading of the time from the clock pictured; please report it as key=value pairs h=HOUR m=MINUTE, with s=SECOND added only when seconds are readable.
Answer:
h=2 m=34 s=3
